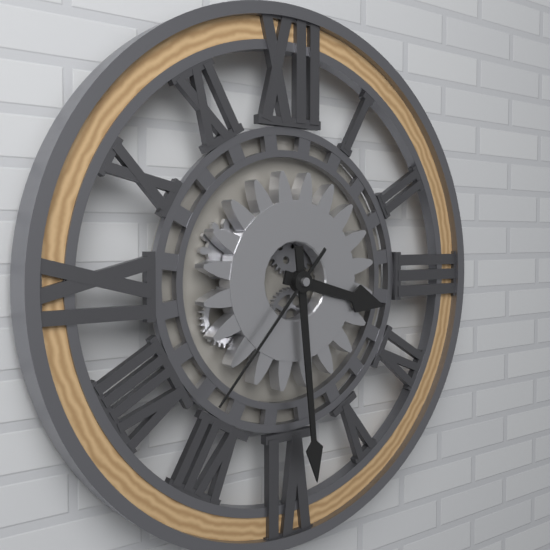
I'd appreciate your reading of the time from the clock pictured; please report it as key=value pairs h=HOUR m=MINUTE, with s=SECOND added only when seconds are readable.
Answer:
h=3 m=29 s=37
